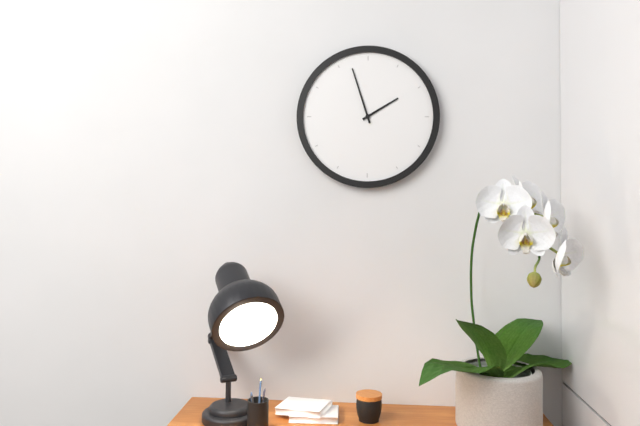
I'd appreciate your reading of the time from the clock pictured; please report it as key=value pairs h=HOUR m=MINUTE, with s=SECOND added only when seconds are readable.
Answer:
h=1 m=57
